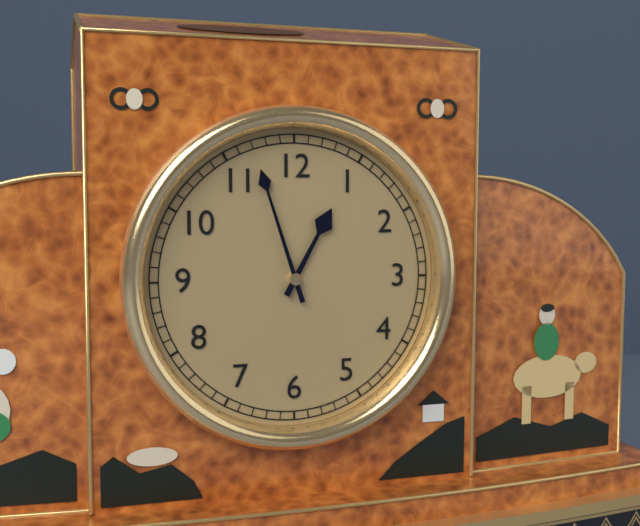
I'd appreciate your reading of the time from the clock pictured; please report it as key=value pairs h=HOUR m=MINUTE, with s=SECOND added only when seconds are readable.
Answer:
h=12 m=57
